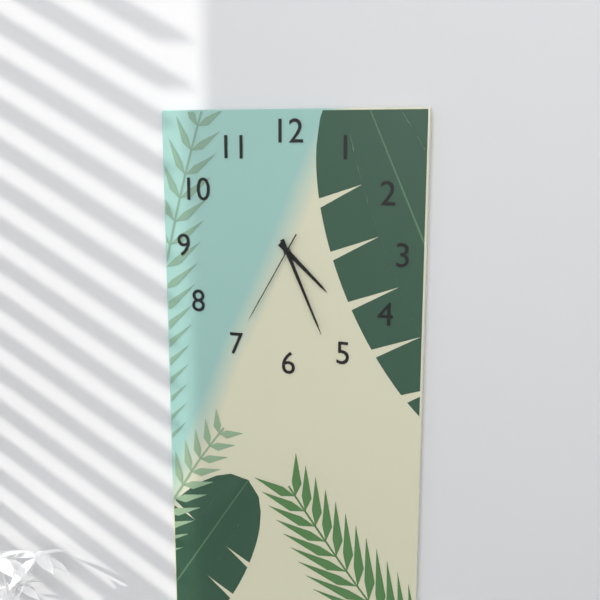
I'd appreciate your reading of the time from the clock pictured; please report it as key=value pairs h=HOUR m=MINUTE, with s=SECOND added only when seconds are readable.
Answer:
h=4 m=26 s=35
